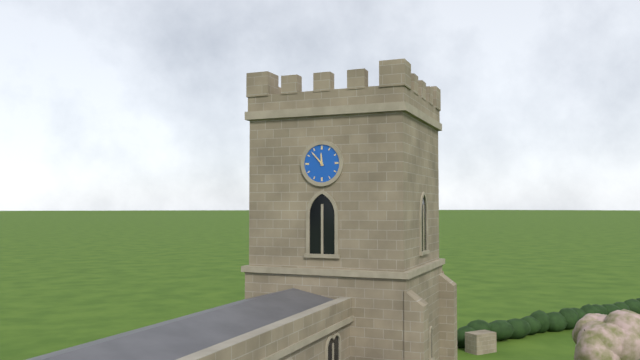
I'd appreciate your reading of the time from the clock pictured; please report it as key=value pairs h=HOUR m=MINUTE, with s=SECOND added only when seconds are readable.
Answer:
h=11 m=53
